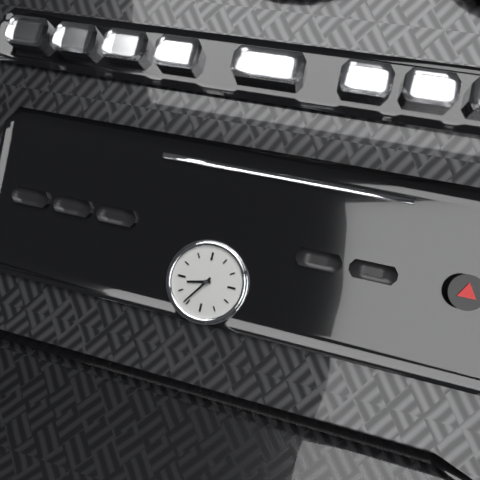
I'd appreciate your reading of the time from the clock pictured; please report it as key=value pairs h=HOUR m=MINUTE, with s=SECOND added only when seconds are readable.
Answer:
h=8 m=36
